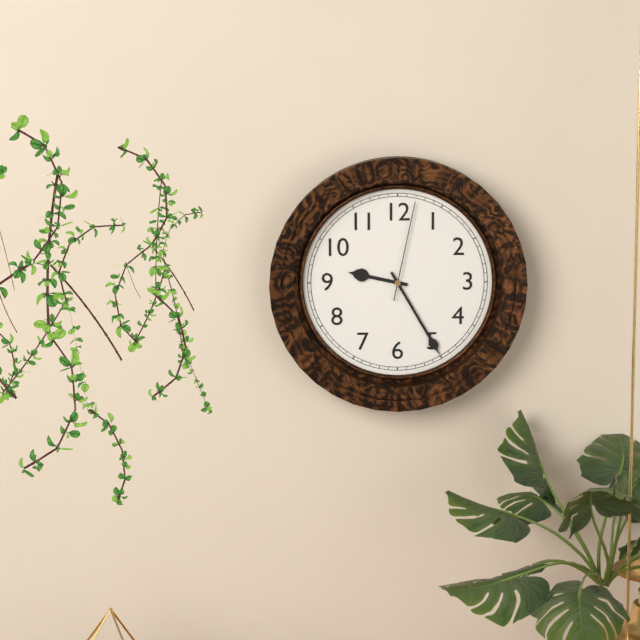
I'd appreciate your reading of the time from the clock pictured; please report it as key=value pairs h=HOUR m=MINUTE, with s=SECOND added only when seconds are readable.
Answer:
h=9 m=25 s=2
